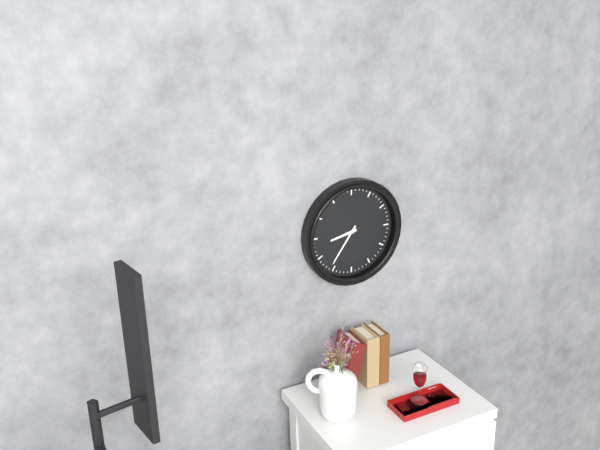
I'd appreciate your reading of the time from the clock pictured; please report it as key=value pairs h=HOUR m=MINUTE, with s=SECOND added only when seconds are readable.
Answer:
h=8 m=36
